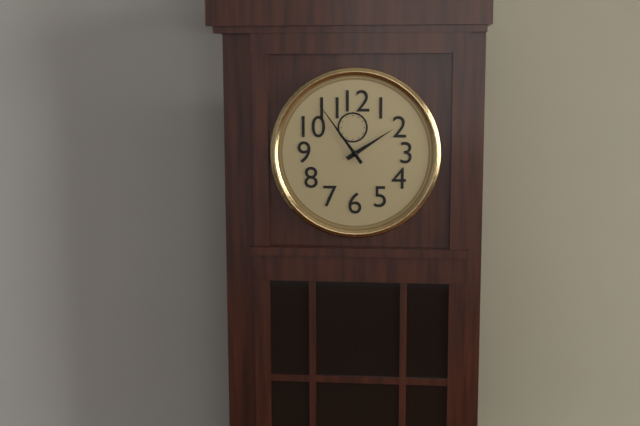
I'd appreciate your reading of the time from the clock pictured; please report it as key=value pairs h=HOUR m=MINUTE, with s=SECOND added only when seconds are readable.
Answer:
h=1 m=54
